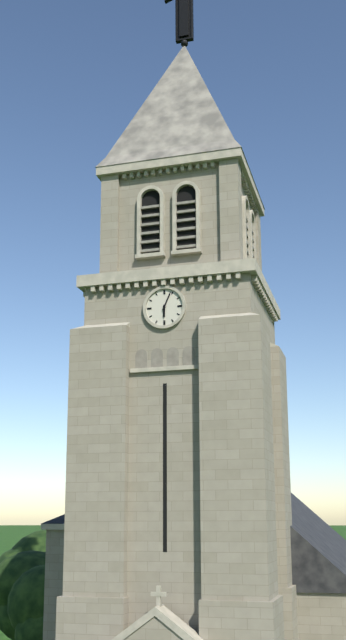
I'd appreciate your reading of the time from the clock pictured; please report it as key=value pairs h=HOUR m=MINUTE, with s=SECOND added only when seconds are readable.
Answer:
h=6 m=4
